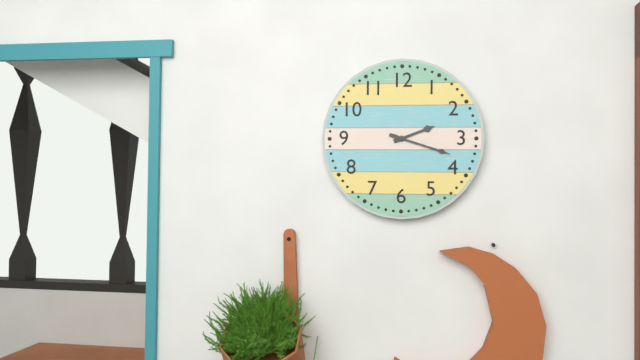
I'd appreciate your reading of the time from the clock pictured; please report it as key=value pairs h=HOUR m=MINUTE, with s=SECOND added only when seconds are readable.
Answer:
h=2 m=18
